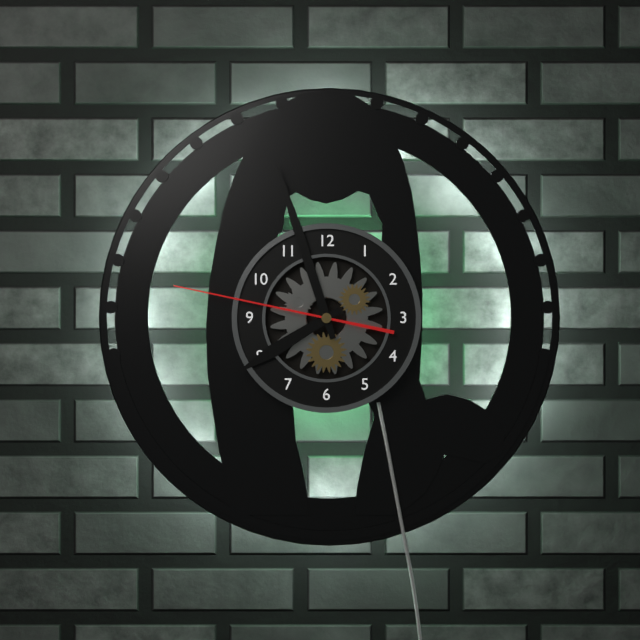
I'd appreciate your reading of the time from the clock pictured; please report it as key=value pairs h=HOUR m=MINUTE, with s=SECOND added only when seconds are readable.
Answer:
h=7 m=57 s=47
